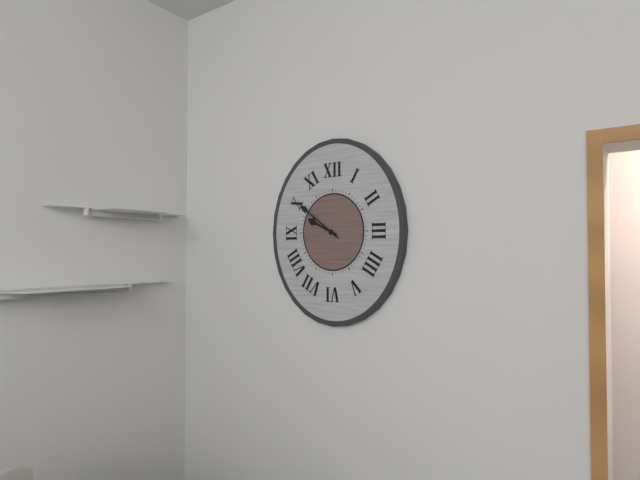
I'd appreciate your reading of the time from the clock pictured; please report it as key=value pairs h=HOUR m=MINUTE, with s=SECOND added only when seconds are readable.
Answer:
h=9 m=51
